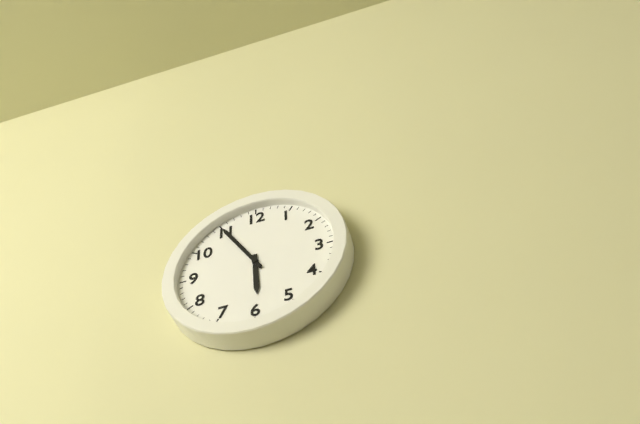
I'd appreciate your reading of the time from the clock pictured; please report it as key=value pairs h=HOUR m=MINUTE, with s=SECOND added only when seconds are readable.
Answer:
h=5 m=55
